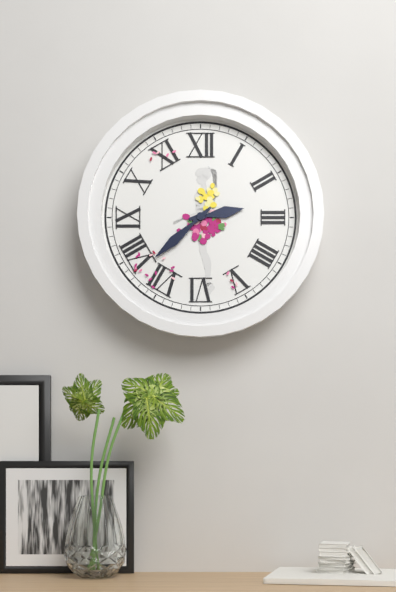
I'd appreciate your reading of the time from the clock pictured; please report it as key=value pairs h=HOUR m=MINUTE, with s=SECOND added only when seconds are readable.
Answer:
h=2 m=38
